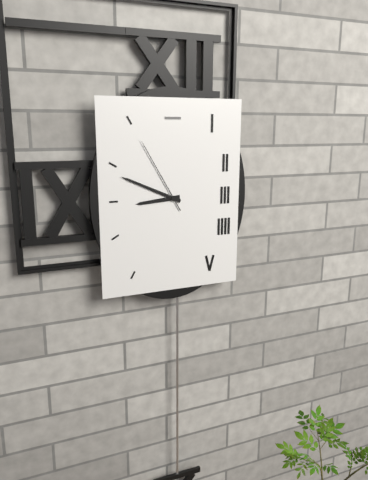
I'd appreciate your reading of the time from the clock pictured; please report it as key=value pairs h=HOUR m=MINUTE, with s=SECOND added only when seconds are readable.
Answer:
h=8 m=49 s=55
